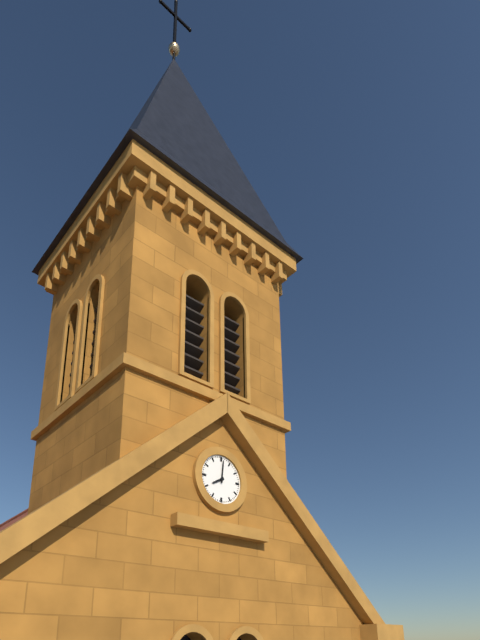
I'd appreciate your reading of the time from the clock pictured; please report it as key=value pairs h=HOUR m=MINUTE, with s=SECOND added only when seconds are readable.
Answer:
h=8 m=1
